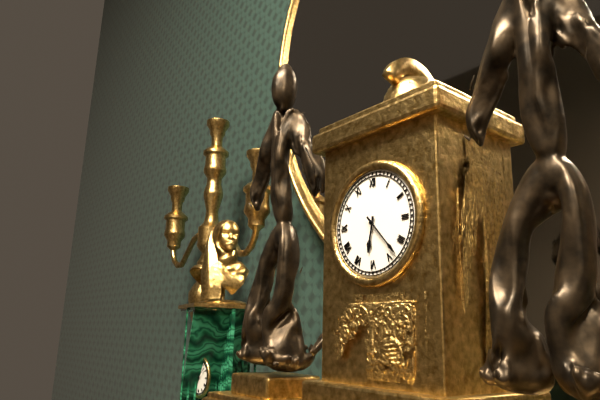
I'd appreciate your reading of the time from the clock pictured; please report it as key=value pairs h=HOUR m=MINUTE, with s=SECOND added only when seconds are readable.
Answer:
h=6 m=23
